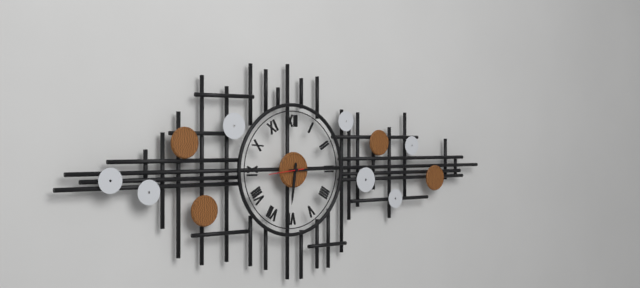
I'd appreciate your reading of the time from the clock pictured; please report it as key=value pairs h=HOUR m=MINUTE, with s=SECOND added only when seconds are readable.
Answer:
h=6 m=15
